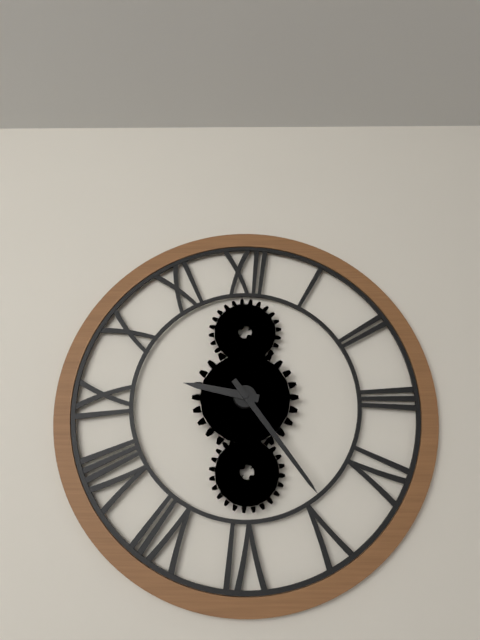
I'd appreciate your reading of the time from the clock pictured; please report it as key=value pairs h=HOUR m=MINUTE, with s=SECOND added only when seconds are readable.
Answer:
h=9 m=24
